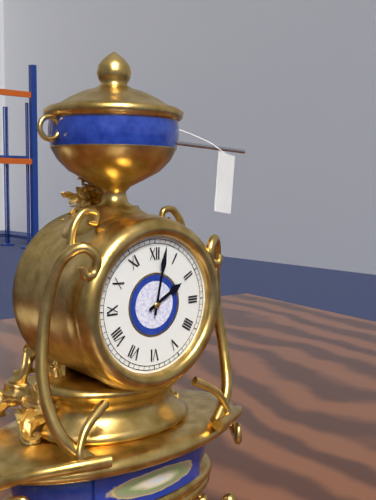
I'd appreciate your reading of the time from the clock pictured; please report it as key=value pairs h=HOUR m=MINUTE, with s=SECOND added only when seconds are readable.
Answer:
h=2 m=2
